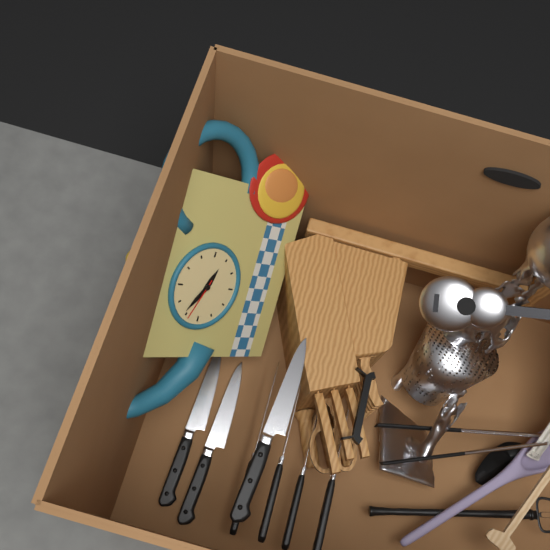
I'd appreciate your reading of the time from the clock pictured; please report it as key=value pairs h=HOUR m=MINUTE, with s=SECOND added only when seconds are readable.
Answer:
h=3 m=51
